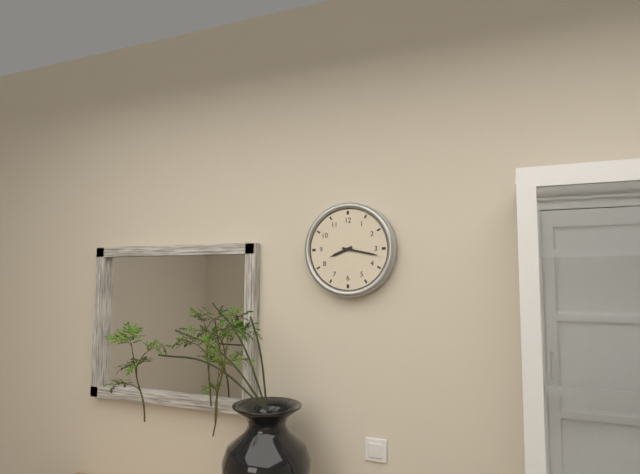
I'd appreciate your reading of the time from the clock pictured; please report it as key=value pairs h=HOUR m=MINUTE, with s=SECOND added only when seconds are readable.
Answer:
h=8 m=17
